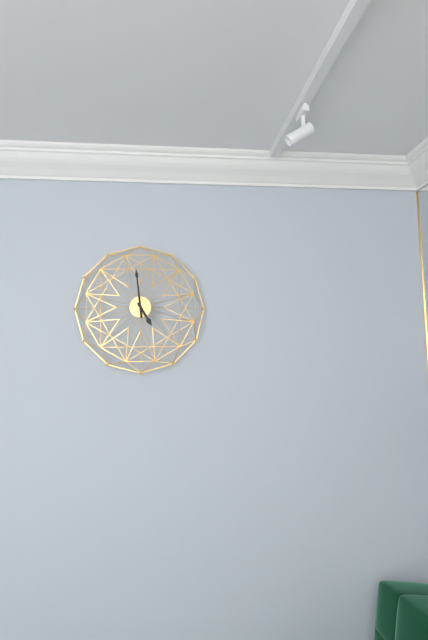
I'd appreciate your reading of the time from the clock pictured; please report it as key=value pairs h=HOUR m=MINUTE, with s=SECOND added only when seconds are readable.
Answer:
h=4 m=59
